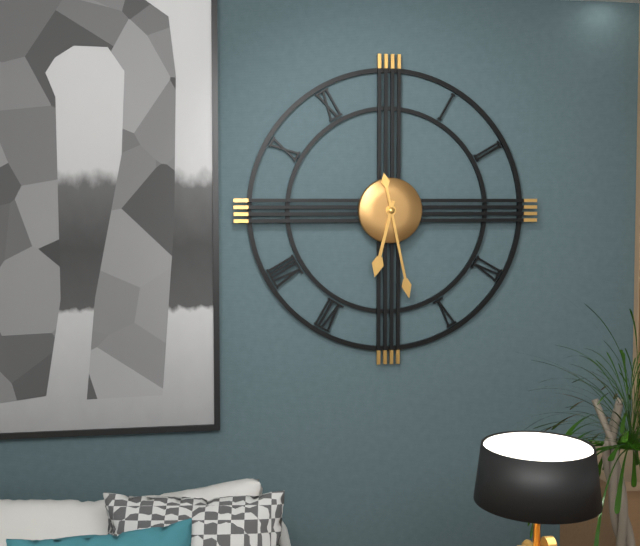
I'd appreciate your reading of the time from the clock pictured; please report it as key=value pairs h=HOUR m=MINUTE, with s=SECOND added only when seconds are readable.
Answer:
h=6 m=28
